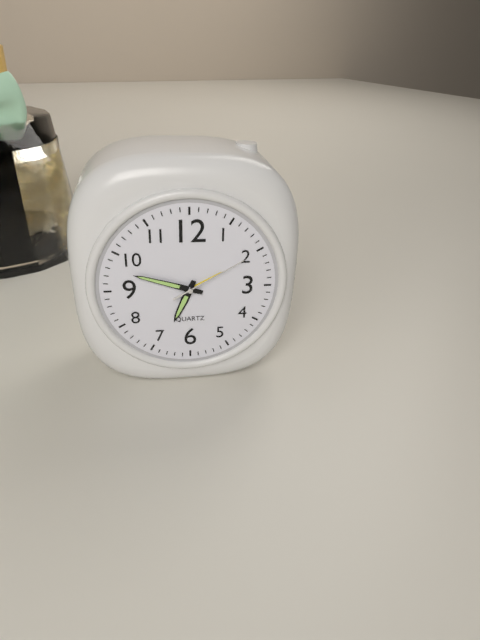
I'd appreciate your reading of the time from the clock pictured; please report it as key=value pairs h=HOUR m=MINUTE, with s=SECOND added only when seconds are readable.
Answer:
h=6 m=48 s=10
